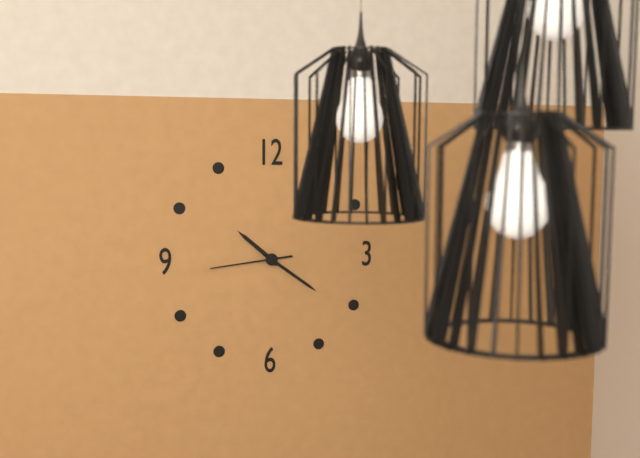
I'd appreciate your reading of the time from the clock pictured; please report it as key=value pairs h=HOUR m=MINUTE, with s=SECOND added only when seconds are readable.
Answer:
h=10 m=21 s=44
